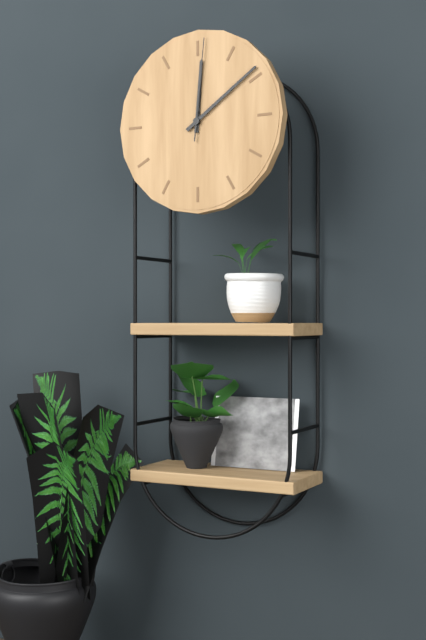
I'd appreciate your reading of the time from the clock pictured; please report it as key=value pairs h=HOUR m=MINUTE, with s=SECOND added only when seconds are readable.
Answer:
h=12 m=9 s=1
